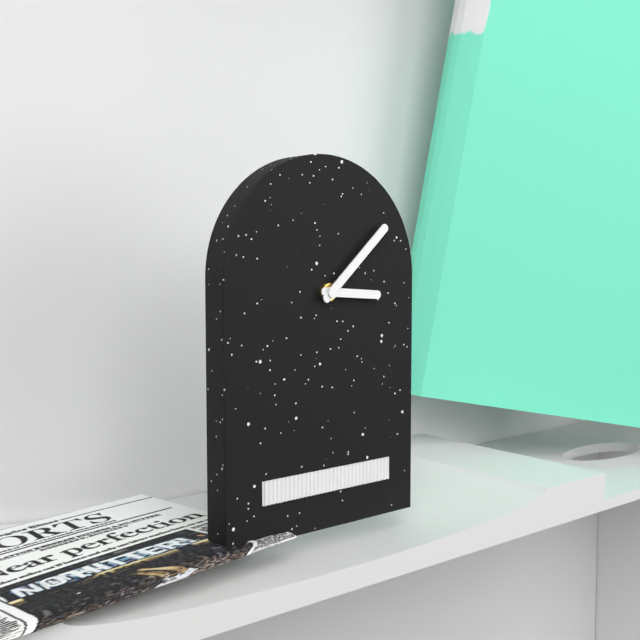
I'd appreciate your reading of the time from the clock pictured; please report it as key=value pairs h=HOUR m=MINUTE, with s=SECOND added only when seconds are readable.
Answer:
h=3 m=8
